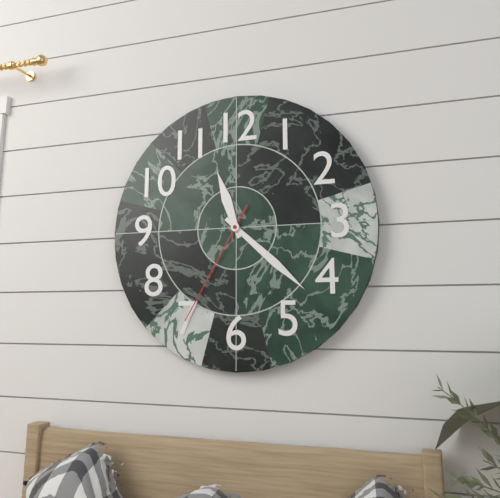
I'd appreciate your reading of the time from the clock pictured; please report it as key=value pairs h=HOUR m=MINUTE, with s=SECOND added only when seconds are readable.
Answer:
h=11 m=22 s=35
